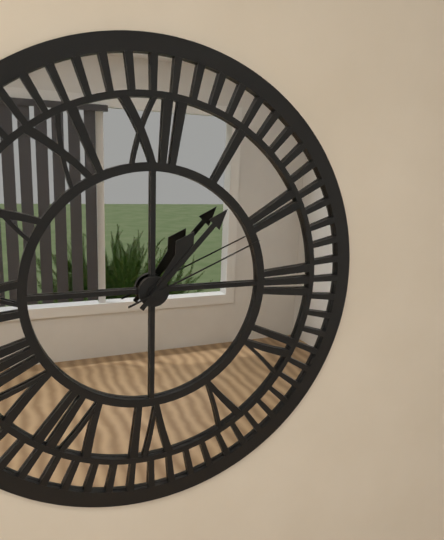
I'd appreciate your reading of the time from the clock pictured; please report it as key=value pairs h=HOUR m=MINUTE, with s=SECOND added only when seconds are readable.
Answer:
h=1 m=7 s=11
